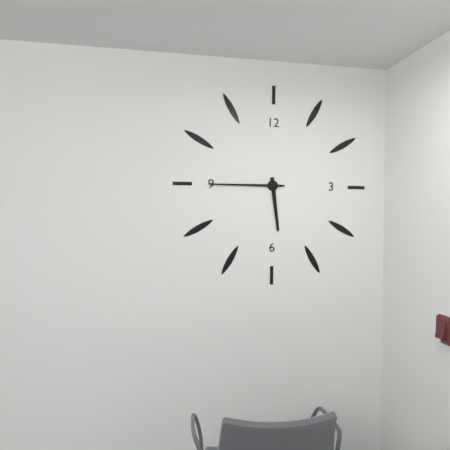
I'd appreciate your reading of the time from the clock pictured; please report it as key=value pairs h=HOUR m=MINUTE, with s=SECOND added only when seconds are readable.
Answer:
h=5 m=45
